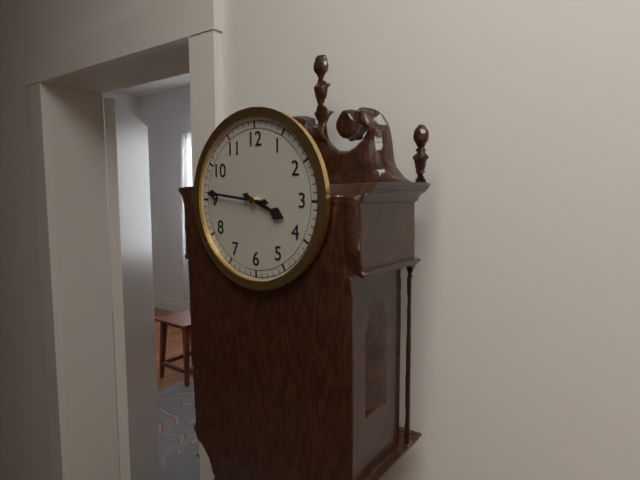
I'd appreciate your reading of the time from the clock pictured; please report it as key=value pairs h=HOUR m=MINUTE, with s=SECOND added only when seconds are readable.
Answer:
h=3 m=46
